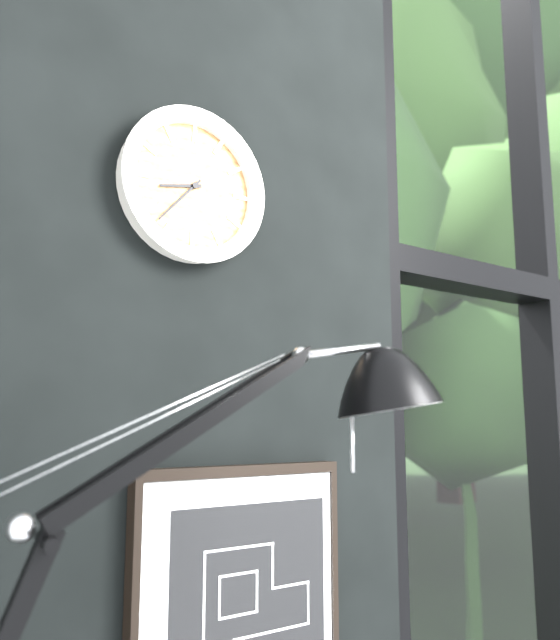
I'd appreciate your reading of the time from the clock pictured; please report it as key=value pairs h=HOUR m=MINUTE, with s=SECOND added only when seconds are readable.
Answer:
h=8 m=37
